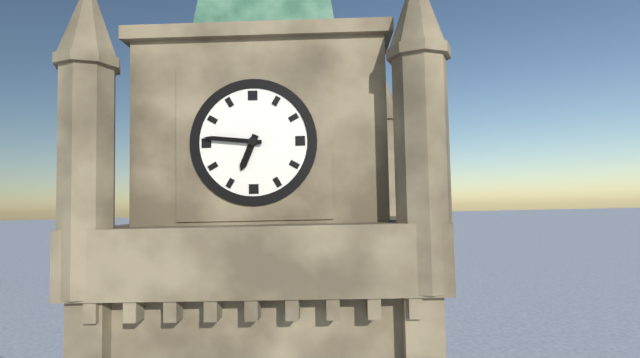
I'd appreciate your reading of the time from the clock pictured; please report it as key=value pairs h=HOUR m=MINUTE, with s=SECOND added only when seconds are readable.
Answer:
h=6 m=46
